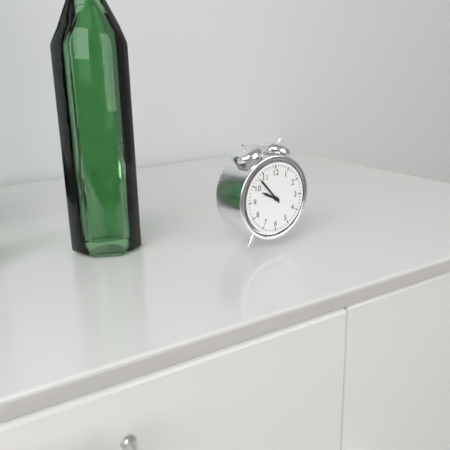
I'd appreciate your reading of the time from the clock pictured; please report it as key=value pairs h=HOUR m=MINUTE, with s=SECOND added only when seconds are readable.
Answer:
h=9 m=53
